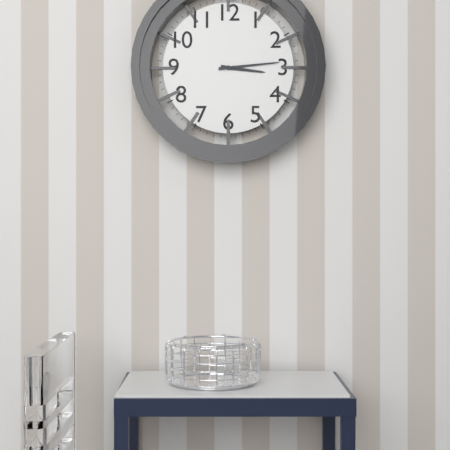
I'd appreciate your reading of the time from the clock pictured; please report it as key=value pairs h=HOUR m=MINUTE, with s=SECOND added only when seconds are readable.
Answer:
h=3 m=14
